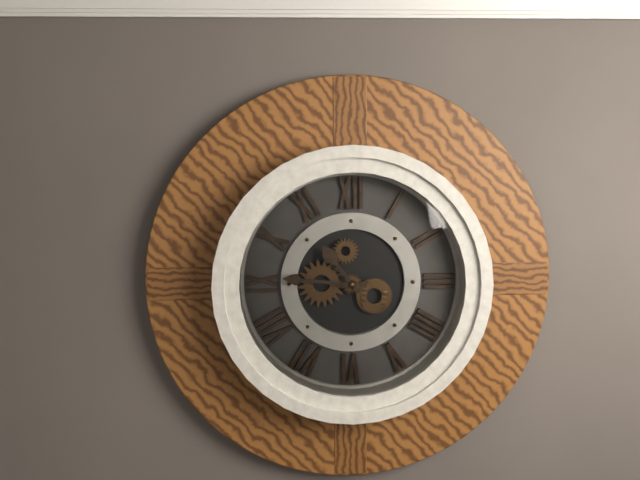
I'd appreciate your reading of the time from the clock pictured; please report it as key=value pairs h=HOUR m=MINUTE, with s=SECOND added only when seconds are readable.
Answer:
h=10 m=46
